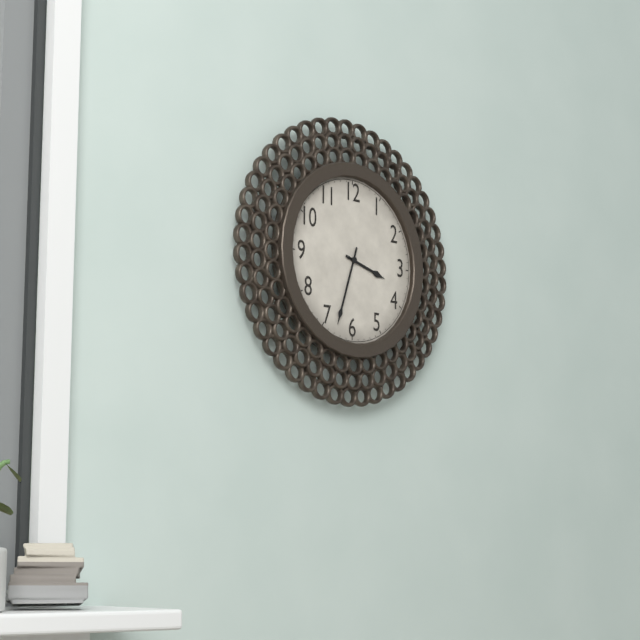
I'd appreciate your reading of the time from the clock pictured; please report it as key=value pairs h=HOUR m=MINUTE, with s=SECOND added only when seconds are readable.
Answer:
h=3 m=33
